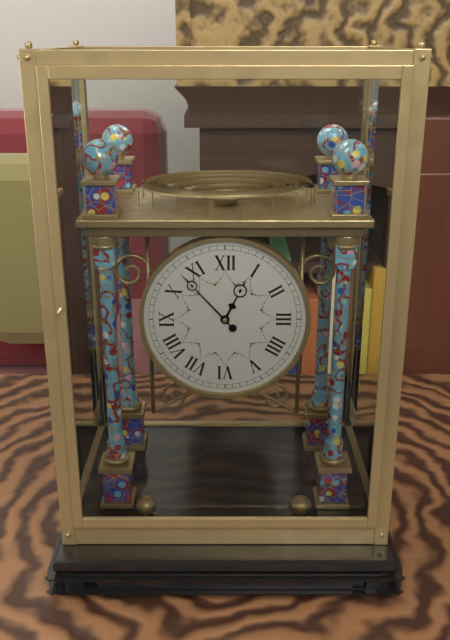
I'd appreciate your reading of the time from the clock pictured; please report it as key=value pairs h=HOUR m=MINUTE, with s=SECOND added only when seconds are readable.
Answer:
h=12 m=53
